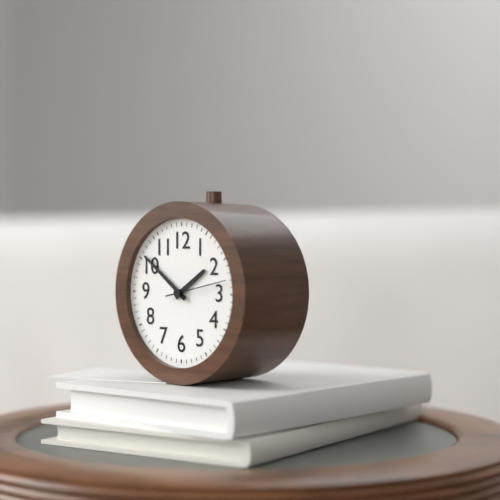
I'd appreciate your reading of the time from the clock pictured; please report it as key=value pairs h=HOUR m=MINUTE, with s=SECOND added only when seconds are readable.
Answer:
h=1 m=51 s=13
